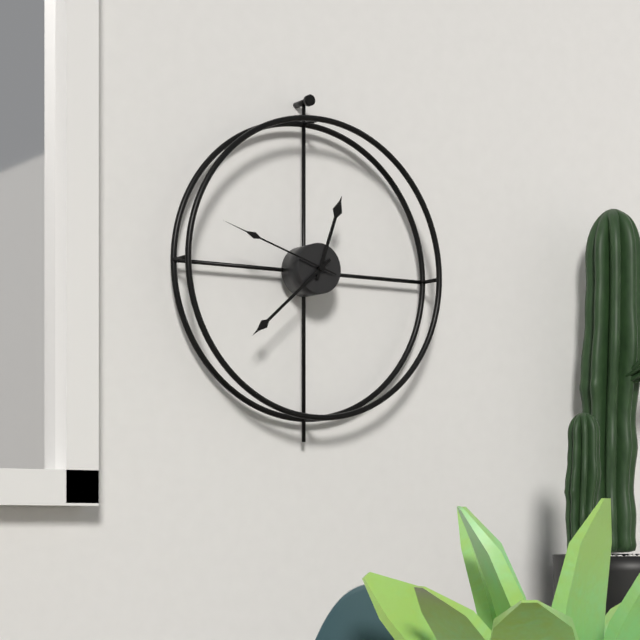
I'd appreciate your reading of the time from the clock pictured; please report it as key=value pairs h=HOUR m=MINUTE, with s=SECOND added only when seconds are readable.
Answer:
h=12 m=38 s=48
